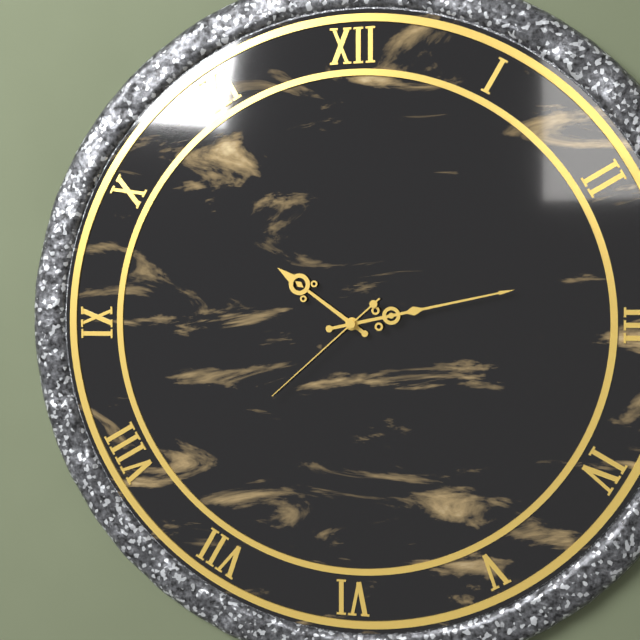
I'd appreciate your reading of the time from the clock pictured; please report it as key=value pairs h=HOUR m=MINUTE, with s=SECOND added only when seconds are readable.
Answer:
h=10 m=13 s=38
